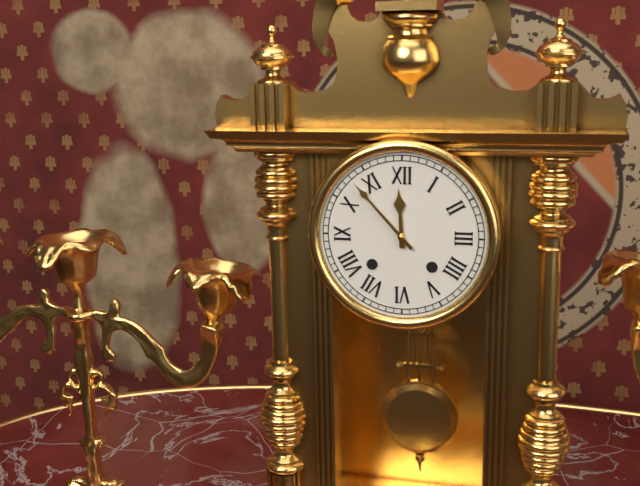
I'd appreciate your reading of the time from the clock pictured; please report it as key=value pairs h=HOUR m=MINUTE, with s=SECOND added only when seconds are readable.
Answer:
h=11 m=53
